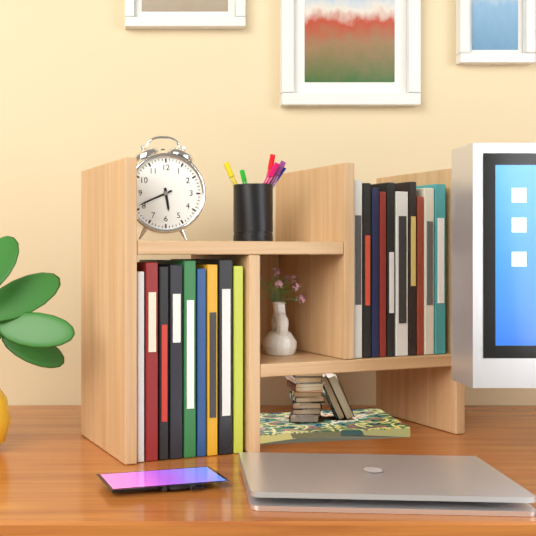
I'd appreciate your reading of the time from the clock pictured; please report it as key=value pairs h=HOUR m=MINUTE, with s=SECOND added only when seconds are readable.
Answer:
h=5 m=41
